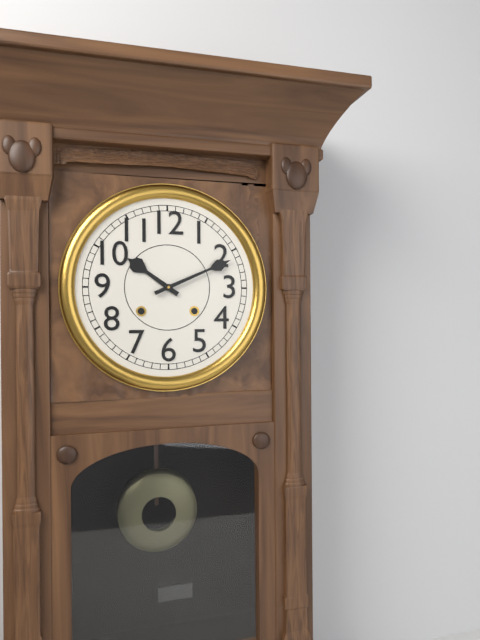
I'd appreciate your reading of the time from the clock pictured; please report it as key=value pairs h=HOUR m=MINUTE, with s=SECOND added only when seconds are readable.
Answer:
h=10 m=11
